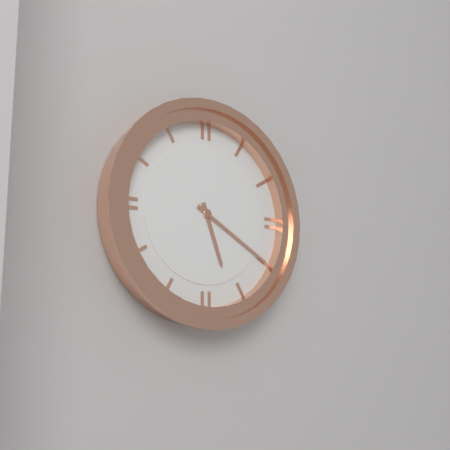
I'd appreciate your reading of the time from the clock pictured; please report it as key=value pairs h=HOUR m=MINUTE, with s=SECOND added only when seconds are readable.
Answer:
h=5 m=20
